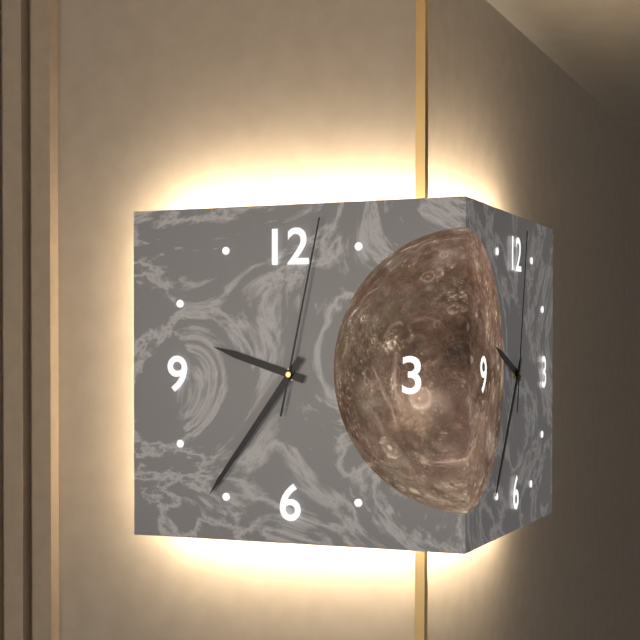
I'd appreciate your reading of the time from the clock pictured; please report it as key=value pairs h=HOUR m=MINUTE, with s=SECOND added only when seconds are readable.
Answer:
h=9 m=36 s=2
